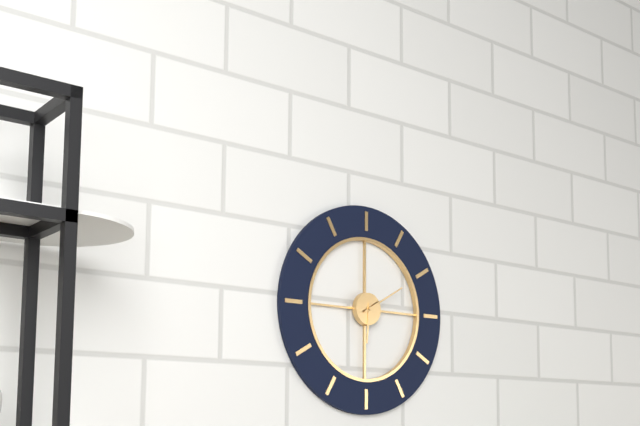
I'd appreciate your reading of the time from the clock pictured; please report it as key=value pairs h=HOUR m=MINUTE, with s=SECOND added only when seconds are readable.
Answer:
h=6 m=10
